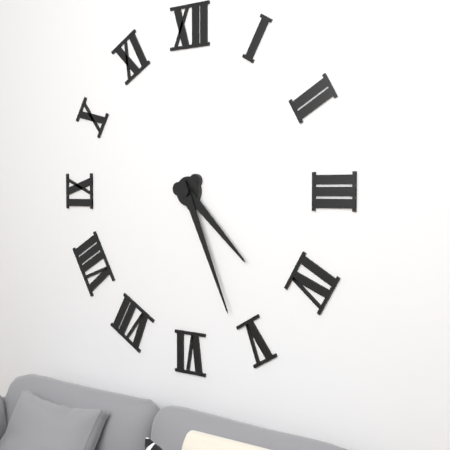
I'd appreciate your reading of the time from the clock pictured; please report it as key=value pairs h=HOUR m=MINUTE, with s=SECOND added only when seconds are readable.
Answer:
h=4 m=26
